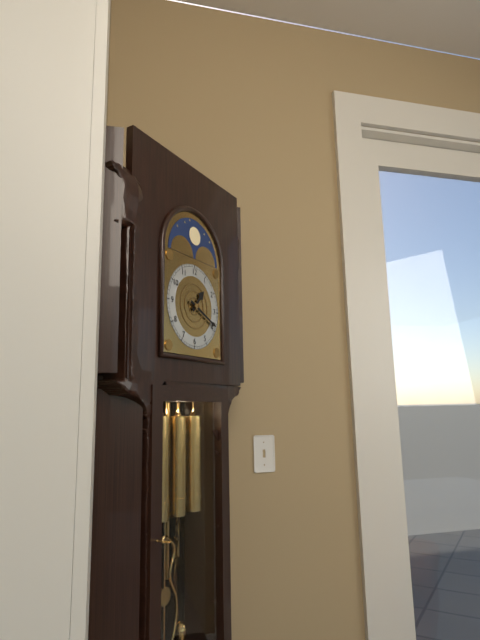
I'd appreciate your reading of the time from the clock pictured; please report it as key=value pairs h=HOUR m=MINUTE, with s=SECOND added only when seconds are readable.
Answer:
h=1 m=19
